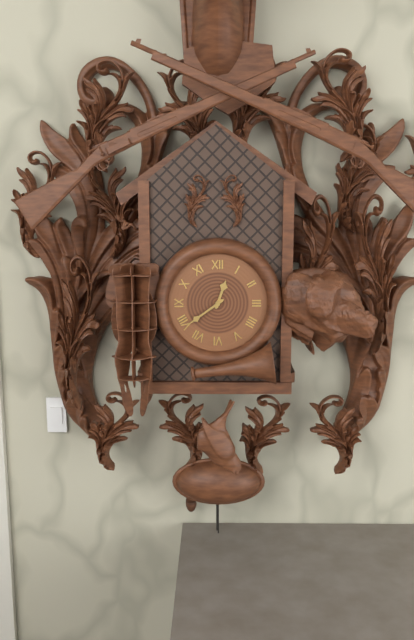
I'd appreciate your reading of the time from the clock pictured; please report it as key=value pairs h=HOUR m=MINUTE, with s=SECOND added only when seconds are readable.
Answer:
h=12 m=39
